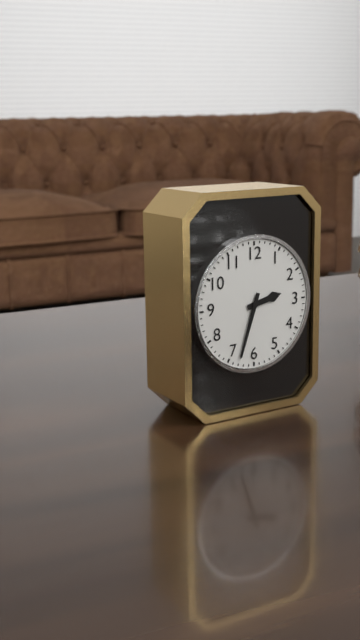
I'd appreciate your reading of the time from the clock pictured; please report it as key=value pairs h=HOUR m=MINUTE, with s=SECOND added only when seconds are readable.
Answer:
h=2 m=33
